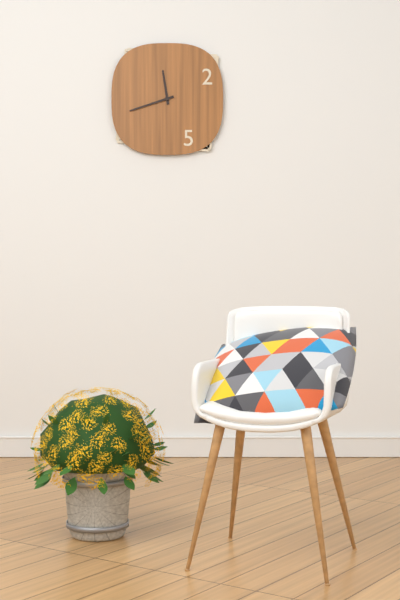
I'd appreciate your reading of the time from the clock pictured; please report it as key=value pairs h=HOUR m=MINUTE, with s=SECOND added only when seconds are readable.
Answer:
h=11 m=42
